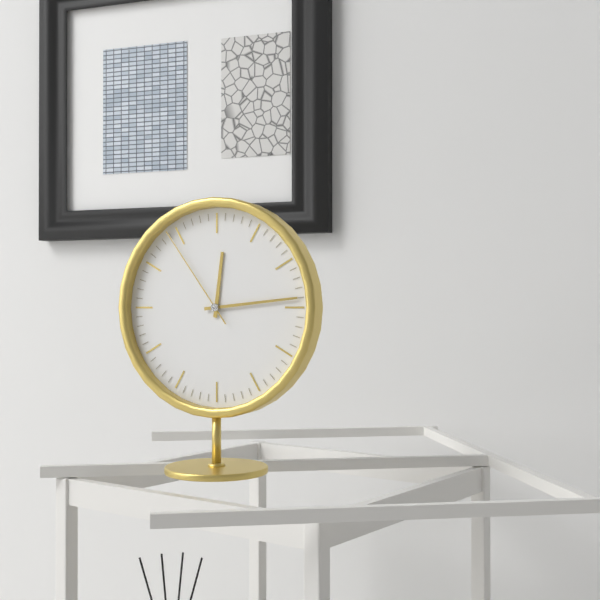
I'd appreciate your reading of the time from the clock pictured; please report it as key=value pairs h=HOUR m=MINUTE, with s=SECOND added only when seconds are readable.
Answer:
h=12 m=14 s=54
